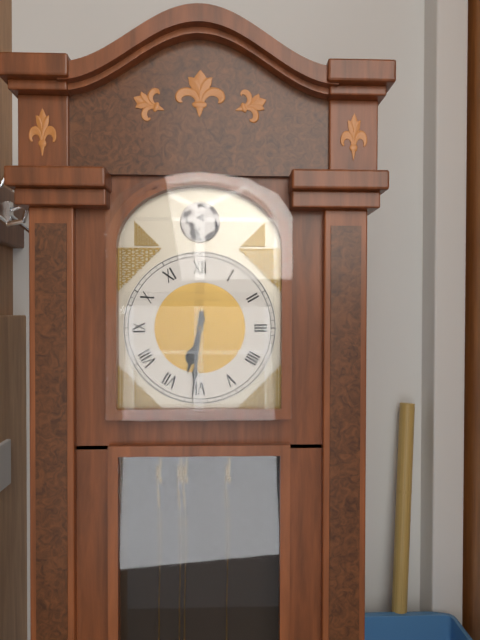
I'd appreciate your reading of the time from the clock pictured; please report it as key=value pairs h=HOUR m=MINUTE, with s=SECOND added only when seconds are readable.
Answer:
h=6 m=31
